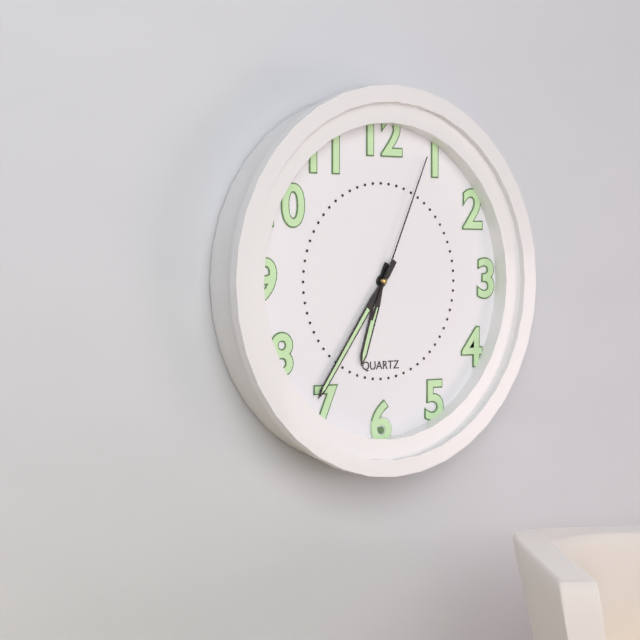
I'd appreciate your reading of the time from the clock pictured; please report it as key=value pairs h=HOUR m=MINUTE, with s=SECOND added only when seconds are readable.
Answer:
h=6 m=36 s=4
